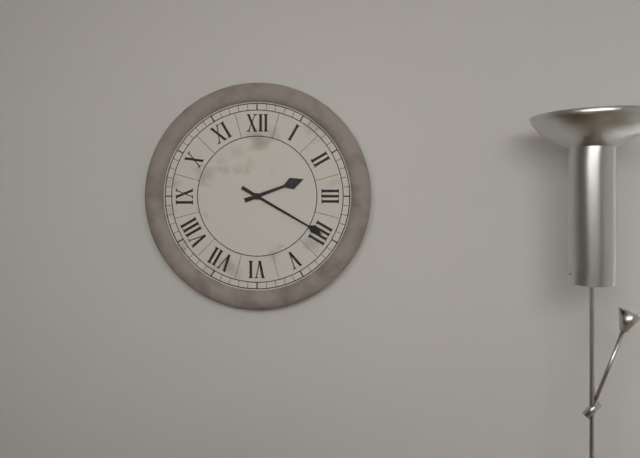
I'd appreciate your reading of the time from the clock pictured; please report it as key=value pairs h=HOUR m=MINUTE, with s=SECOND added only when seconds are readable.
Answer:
h=2 m=20
